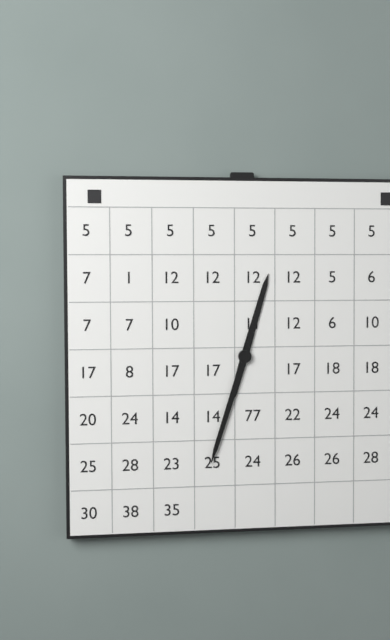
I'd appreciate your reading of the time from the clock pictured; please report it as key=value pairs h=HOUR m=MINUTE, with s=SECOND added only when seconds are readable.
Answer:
h=12 m=33
